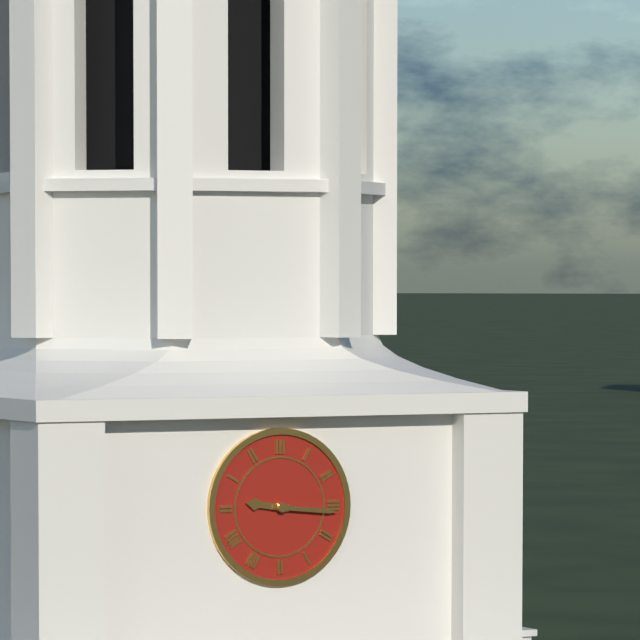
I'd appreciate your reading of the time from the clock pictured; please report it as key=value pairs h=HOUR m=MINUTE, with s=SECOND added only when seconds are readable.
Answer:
h=9 m=16
